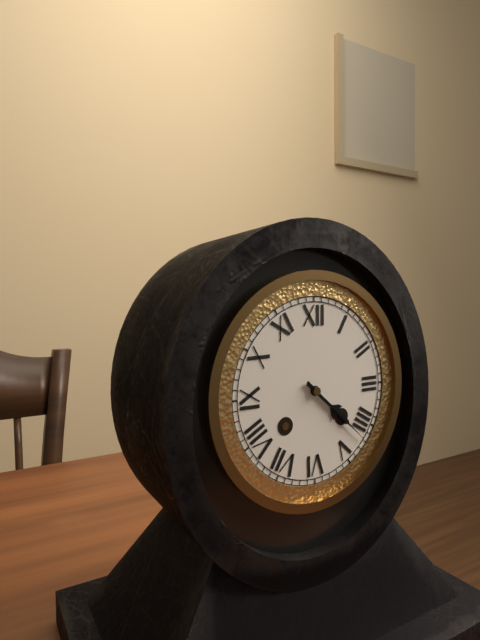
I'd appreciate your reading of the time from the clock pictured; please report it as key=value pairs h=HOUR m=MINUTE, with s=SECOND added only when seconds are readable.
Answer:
h=4 m=22
